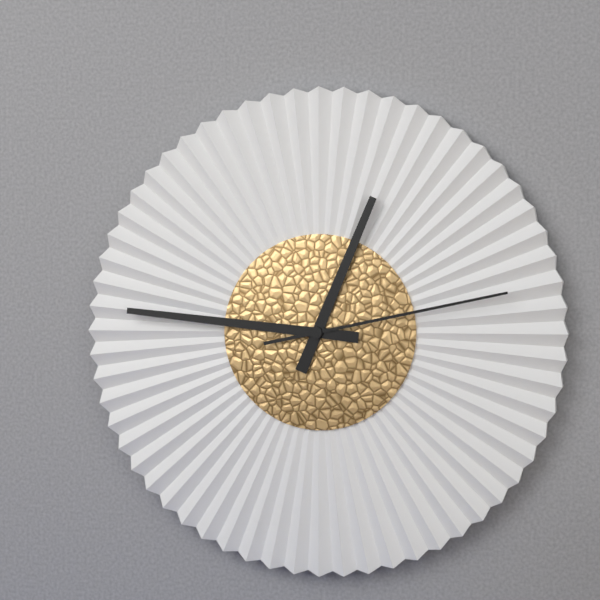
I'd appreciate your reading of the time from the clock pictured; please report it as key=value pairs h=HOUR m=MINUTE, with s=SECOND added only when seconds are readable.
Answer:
h=12 m=46 s=13
